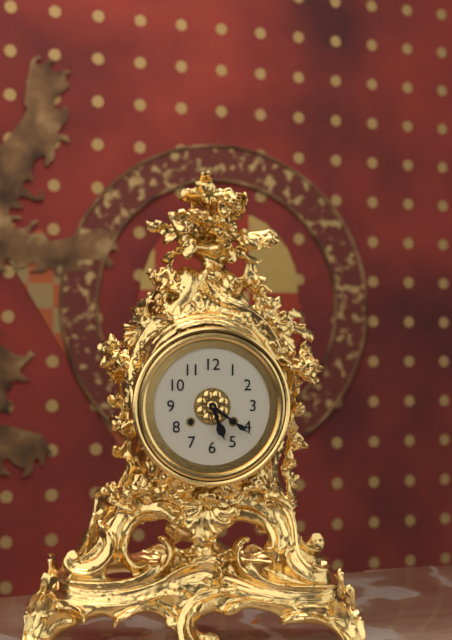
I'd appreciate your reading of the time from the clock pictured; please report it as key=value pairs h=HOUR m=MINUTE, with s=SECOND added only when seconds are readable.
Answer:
h=5 m=21
